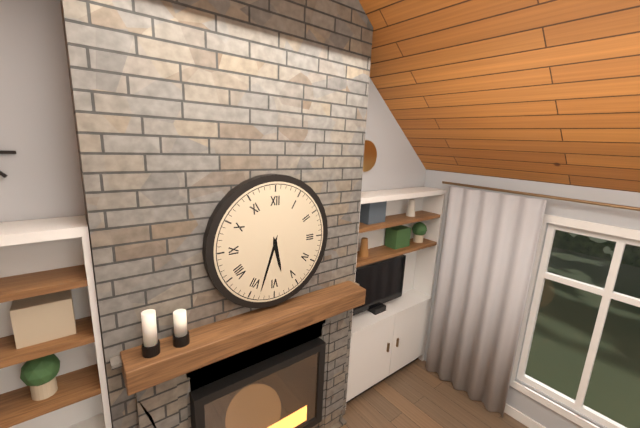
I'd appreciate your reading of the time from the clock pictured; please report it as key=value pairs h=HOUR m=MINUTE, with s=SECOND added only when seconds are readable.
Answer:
h=5 m=33
